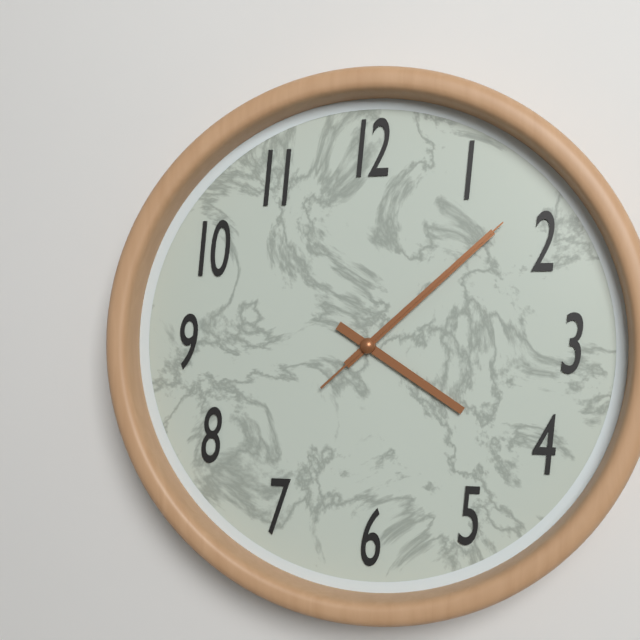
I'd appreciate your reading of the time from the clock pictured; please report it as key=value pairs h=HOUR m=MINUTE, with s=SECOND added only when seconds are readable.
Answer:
h=4 m=8 s=8
